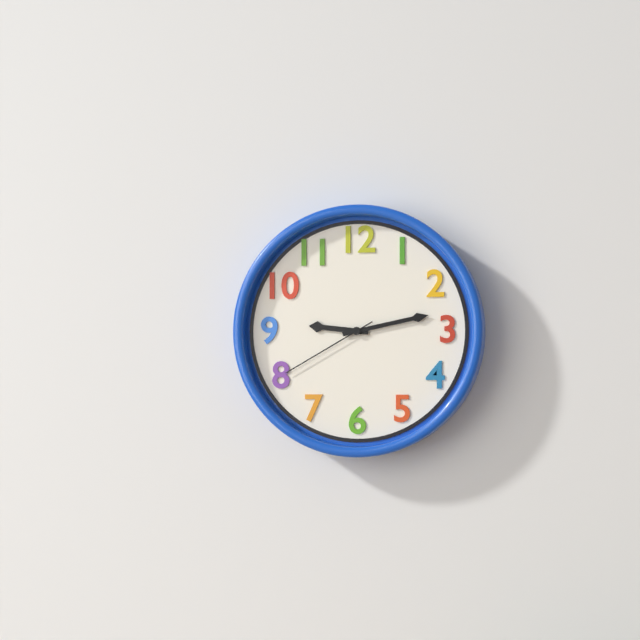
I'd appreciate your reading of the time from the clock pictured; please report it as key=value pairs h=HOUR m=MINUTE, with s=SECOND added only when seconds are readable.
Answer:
h=9 m=13 s=40
